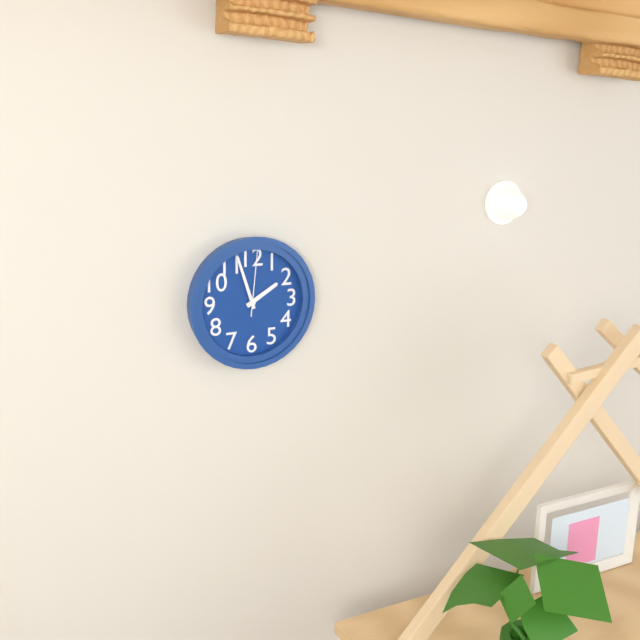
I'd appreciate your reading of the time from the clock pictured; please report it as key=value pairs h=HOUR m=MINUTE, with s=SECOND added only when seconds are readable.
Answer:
h=1 m=57 s=1
